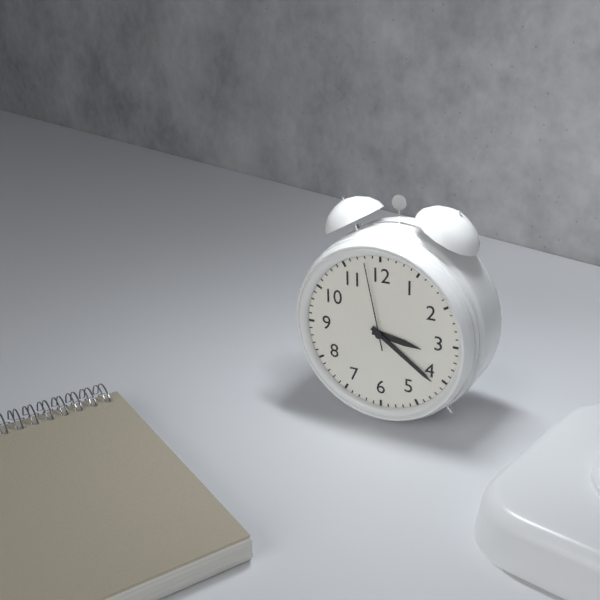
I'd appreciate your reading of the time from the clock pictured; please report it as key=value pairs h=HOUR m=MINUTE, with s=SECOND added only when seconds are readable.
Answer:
h=3 m=21 s=58
